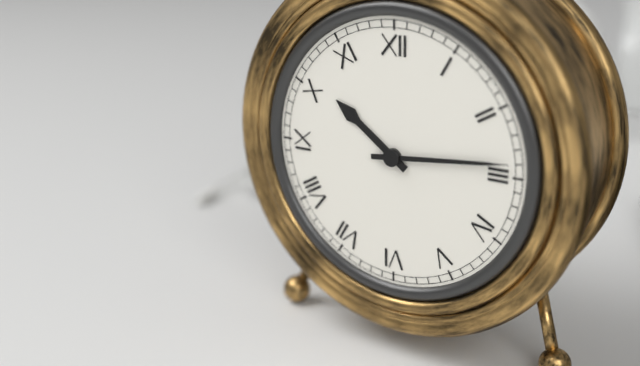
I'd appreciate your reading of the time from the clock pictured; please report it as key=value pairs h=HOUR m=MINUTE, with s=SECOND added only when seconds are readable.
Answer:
h=10 m=14
